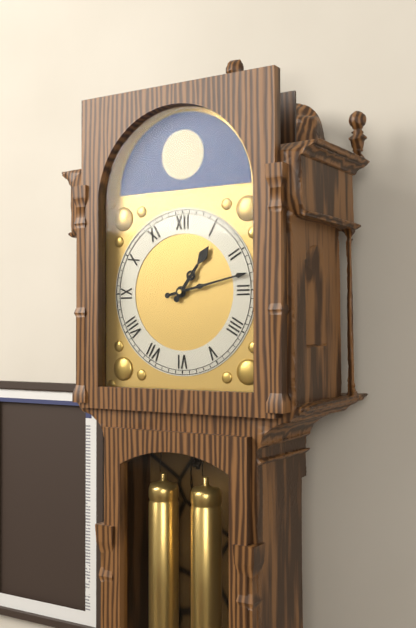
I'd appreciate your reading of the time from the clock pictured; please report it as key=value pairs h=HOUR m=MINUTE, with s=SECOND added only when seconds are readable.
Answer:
h=1 m=13
